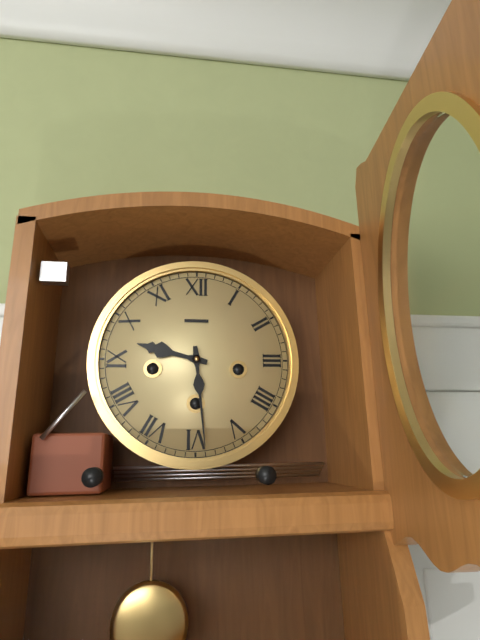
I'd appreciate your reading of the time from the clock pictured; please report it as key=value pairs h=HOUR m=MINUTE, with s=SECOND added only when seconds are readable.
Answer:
h=9 m=29
